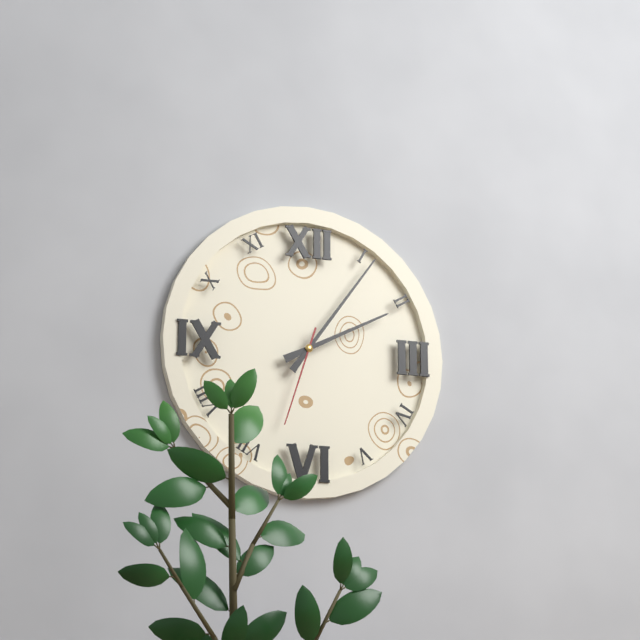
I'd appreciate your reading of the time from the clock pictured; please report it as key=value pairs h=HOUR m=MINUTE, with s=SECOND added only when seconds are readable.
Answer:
h=2 m=6 s=33
